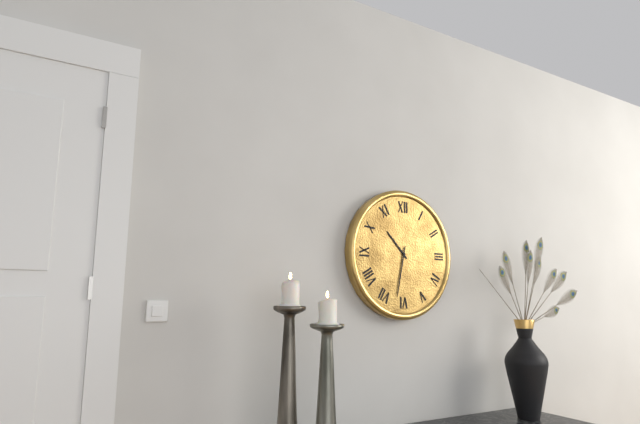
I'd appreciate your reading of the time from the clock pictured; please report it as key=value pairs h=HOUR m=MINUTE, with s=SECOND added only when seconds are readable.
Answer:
h=10 m=32
